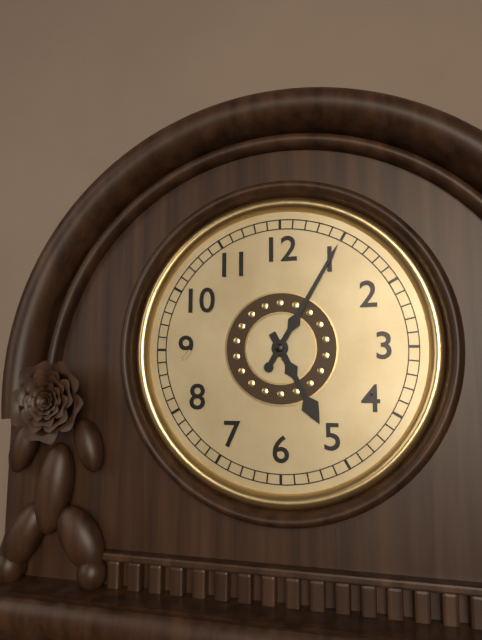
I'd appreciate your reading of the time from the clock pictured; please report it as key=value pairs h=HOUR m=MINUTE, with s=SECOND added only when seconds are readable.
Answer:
h=5 m=5
